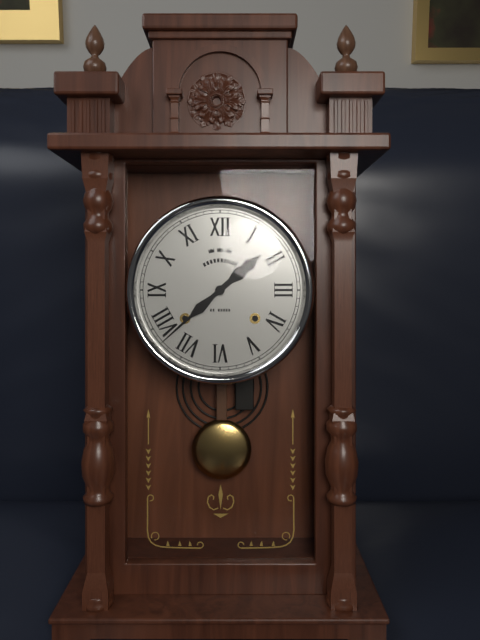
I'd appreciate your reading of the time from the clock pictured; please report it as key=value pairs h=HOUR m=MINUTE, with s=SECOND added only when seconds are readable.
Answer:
h=1 m=38
